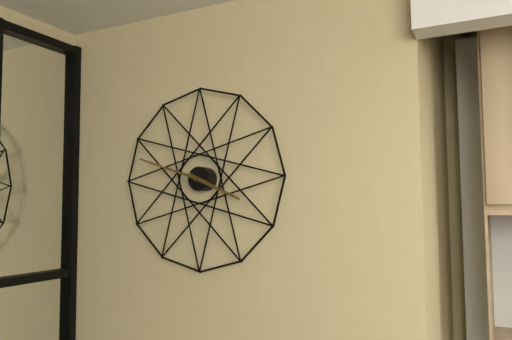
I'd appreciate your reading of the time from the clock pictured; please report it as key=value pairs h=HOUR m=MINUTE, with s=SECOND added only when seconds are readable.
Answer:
h=3 m=48
